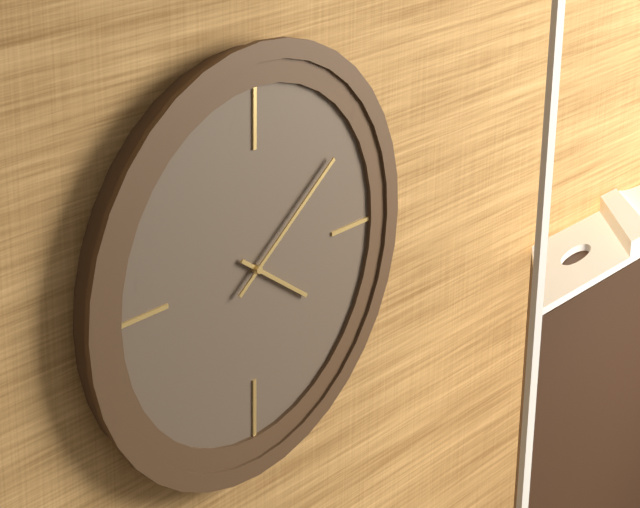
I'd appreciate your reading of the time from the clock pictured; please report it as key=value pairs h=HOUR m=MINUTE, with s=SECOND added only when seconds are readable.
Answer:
h=4 m=9
